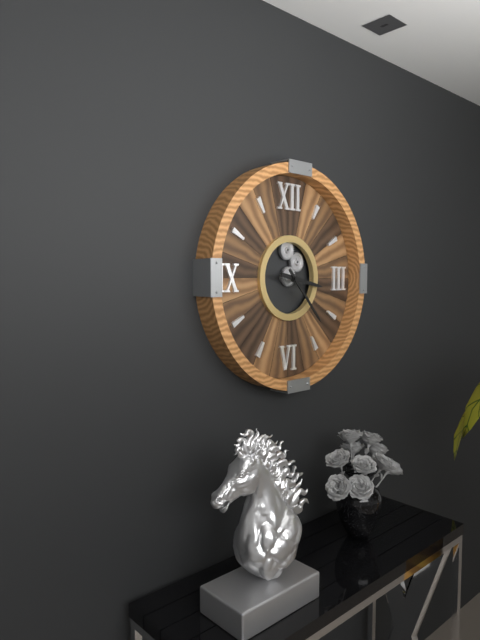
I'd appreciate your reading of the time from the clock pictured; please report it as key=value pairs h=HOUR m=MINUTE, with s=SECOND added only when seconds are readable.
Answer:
h=3 m=23
